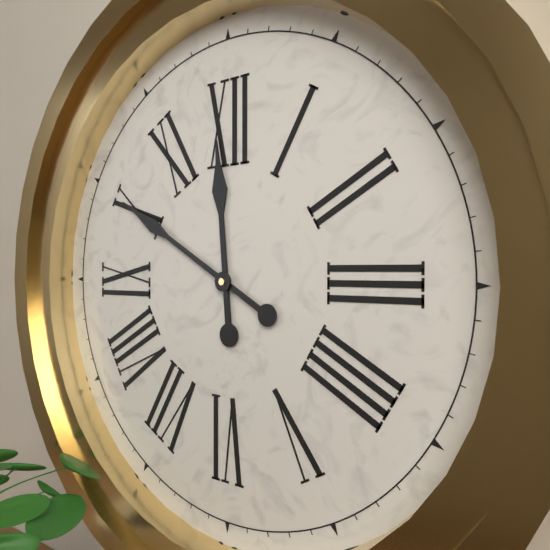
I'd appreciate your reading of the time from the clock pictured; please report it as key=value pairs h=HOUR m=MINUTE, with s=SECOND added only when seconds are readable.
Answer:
h=11 m=50
